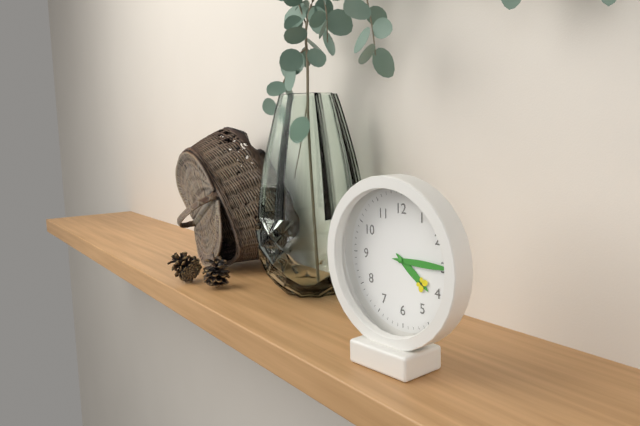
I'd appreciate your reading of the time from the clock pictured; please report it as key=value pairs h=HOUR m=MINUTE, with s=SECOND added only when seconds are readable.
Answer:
h=4 m=15
